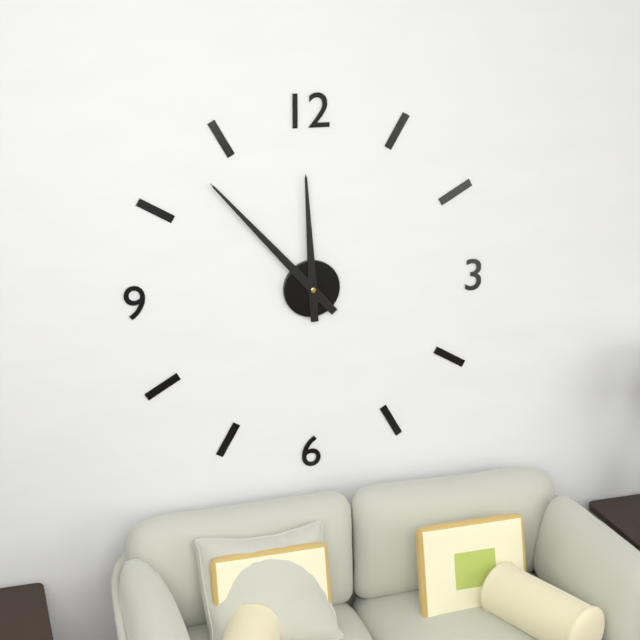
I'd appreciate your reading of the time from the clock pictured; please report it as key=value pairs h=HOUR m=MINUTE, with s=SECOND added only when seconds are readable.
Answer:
h=11 m=53
